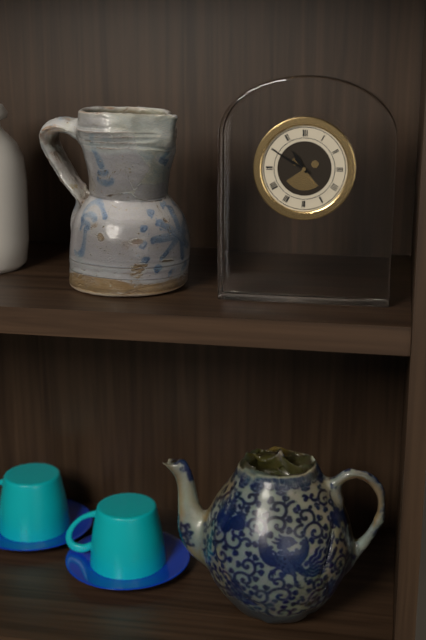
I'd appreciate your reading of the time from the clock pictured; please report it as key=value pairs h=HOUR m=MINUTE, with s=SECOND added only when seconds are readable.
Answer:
h=10 m=50
